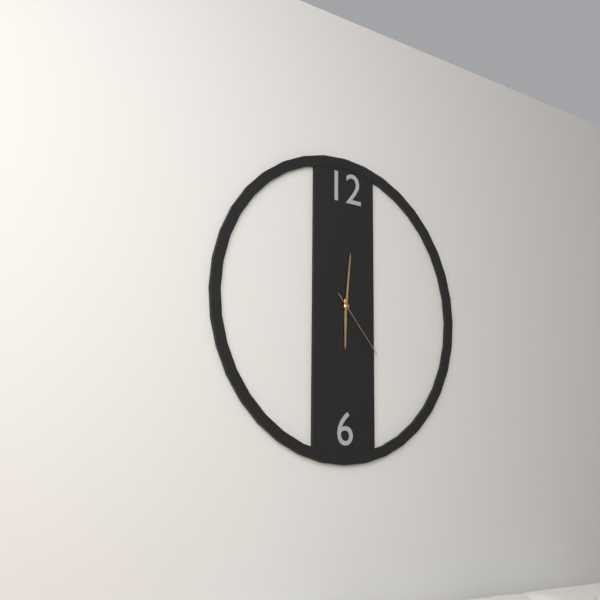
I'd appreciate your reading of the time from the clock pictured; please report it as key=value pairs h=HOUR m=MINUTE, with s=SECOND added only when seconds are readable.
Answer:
h=6 m=1 s=23
